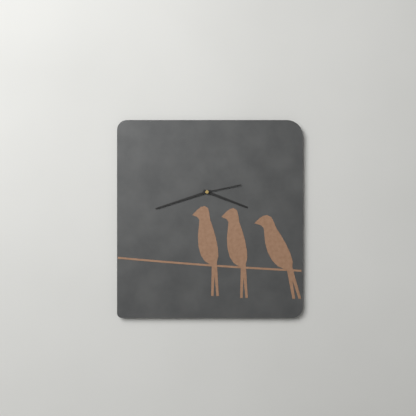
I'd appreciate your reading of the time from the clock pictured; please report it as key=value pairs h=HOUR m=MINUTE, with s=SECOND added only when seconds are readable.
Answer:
h=3 m=42
